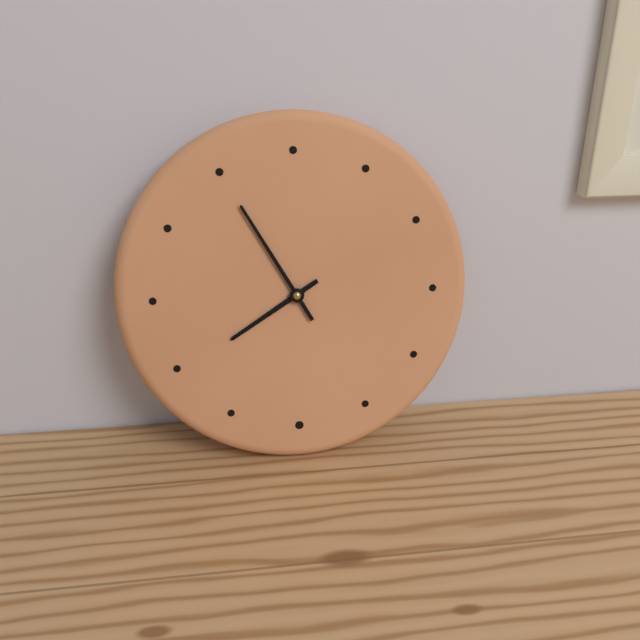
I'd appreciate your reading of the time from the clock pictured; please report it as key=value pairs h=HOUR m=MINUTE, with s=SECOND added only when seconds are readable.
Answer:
h=7 m=55
